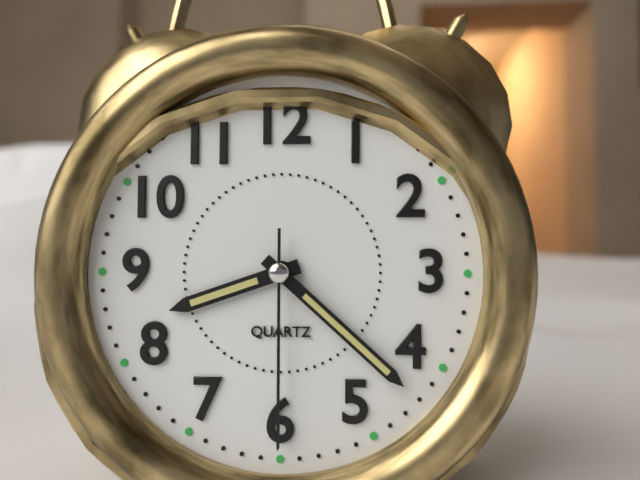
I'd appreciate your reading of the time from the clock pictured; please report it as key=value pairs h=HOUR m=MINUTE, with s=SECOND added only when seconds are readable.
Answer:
h=8 m=22 s=30
